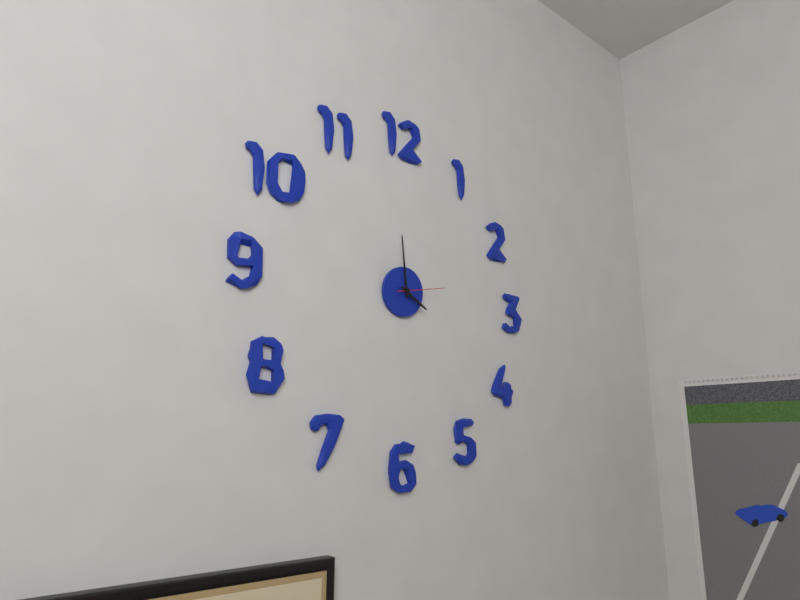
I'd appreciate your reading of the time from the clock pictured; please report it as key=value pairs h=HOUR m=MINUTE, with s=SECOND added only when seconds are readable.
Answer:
h=3 m=59
